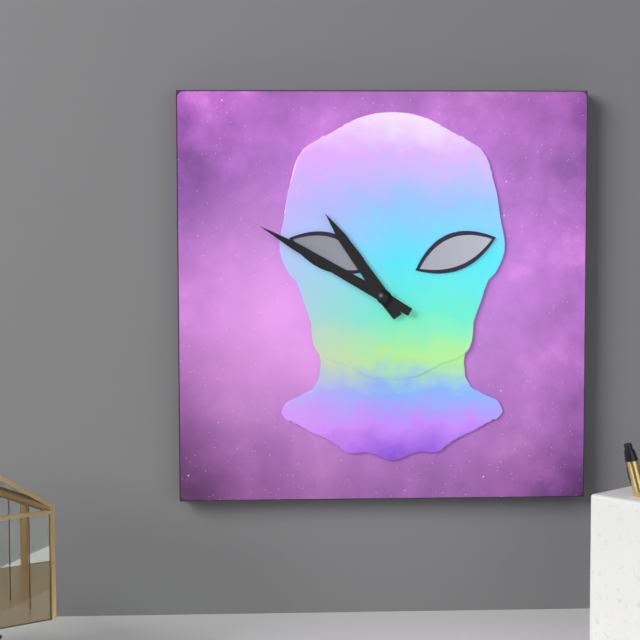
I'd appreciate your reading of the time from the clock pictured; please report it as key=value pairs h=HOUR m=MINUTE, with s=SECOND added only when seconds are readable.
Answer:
h=10 m=50
